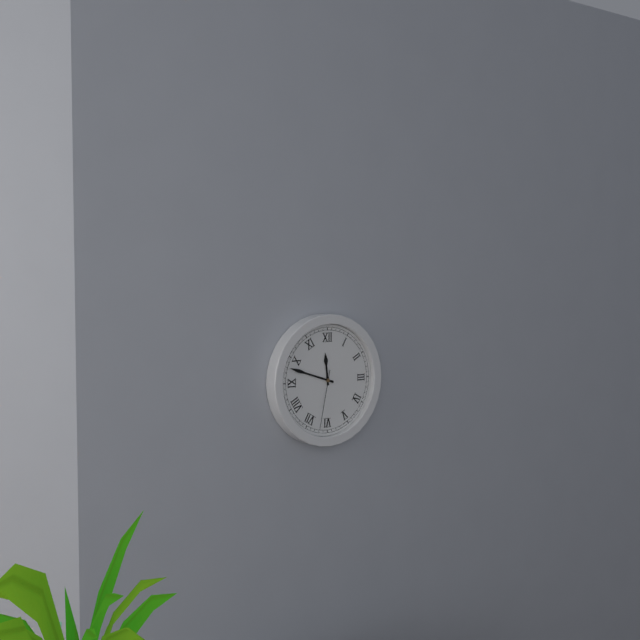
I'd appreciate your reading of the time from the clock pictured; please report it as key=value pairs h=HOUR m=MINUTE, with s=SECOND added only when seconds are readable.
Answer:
h=11 m=48 s=32
